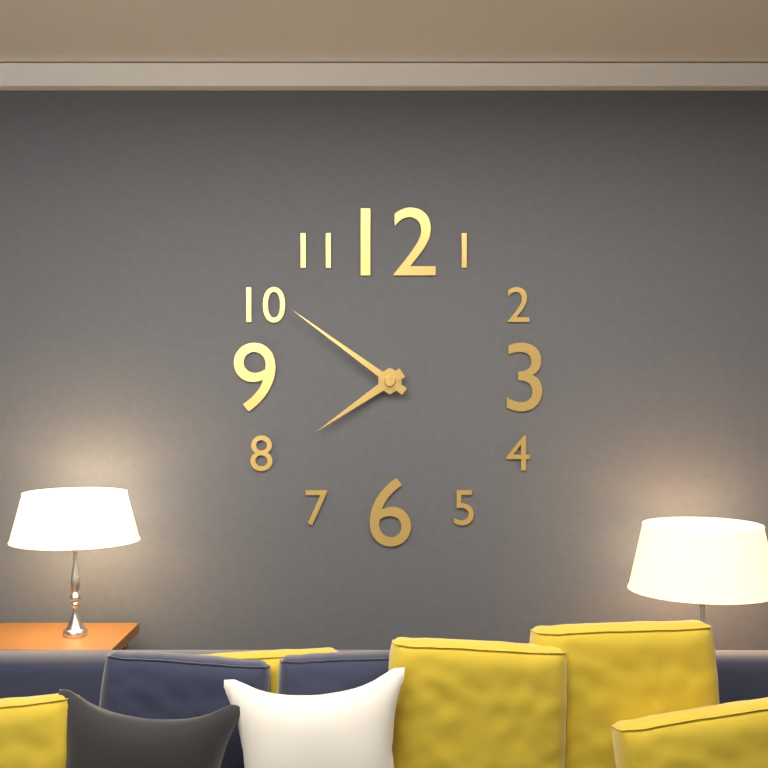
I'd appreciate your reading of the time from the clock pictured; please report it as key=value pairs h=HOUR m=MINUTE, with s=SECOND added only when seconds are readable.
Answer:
h=7 m=51
